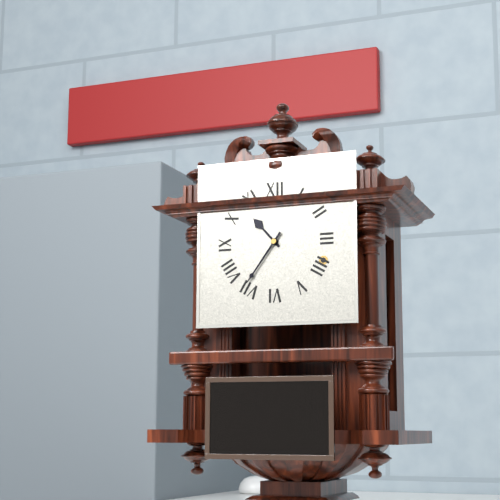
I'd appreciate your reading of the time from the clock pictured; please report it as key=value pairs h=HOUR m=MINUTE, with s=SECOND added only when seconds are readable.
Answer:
h=10 m=36
